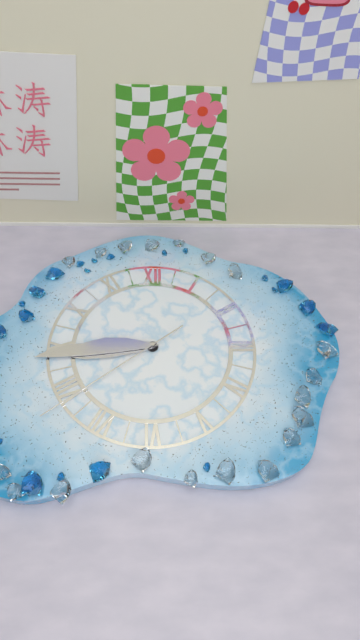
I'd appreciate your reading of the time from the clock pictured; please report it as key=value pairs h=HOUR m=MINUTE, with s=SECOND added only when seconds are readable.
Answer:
h=8 m=44 s=39
